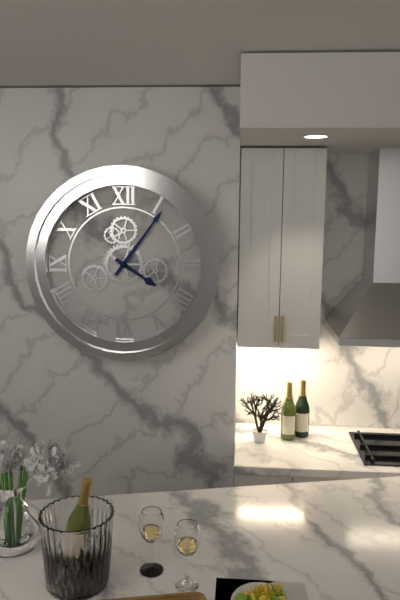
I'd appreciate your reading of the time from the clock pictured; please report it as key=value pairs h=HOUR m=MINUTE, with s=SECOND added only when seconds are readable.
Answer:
h=4 m=6
